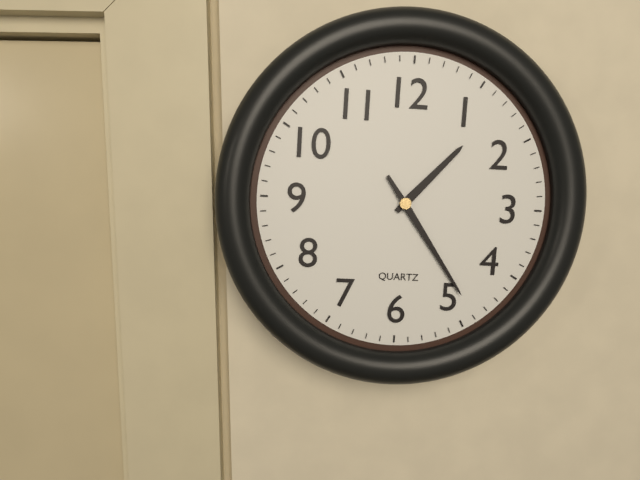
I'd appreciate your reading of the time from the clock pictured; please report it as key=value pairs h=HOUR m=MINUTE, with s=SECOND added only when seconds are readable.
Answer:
h=1 m=24
